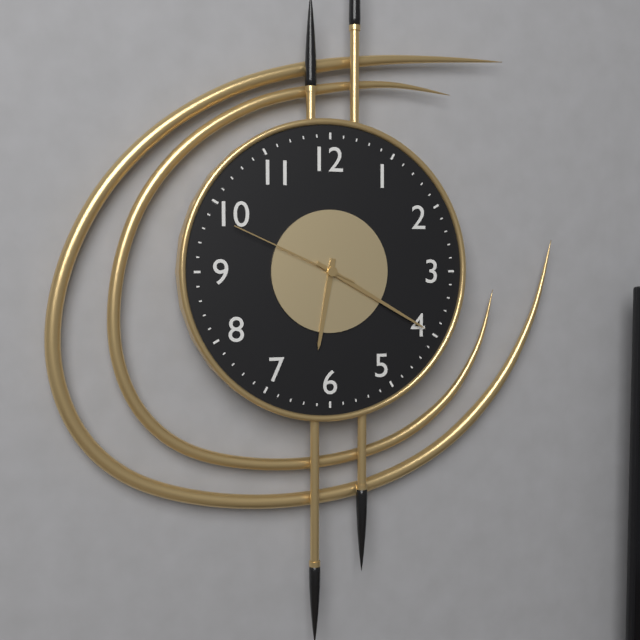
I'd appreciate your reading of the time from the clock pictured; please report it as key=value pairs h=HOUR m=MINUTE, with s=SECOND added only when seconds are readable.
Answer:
h=6 m=20 s=49
